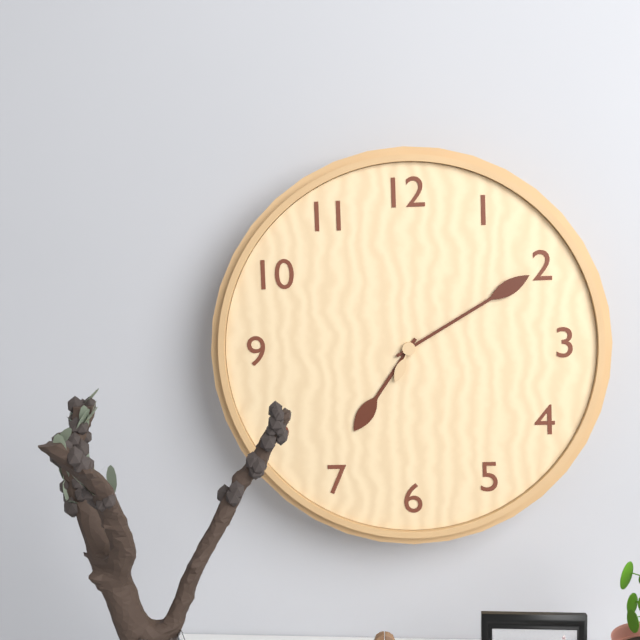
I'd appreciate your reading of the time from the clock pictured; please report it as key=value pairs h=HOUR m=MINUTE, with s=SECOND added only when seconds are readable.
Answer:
h=7 m=10 s=34
